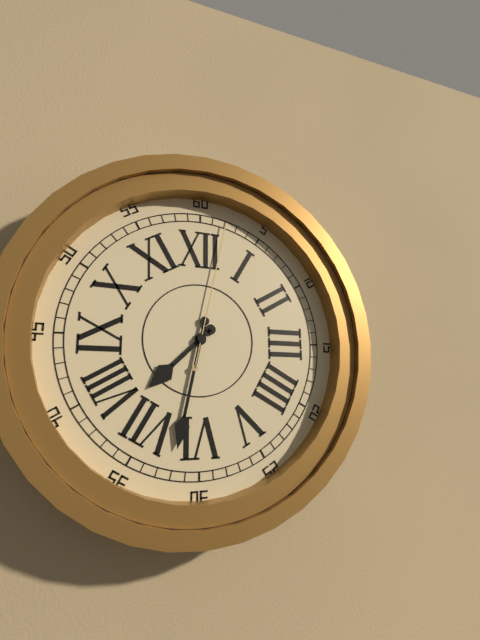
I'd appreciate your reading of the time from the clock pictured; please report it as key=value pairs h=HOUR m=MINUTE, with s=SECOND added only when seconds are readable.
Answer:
h=7 m=32 s=2
